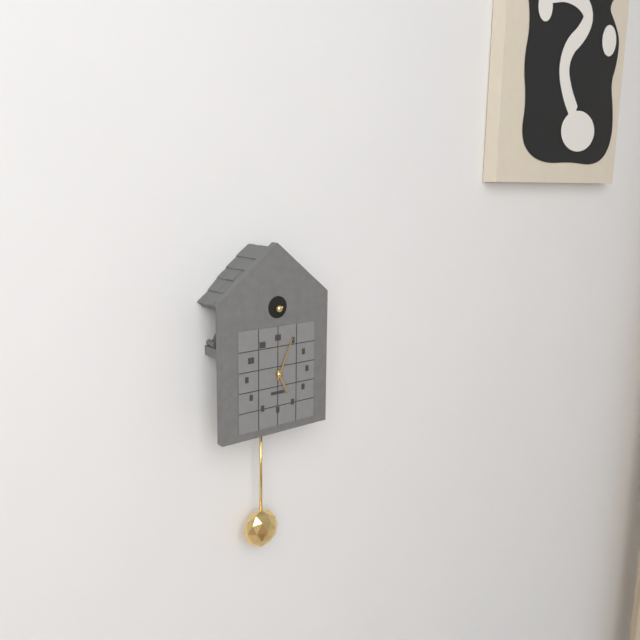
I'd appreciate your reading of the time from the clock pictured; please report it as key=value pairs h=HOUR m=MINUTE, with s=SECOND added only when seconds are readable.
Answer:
h=5 m=4
